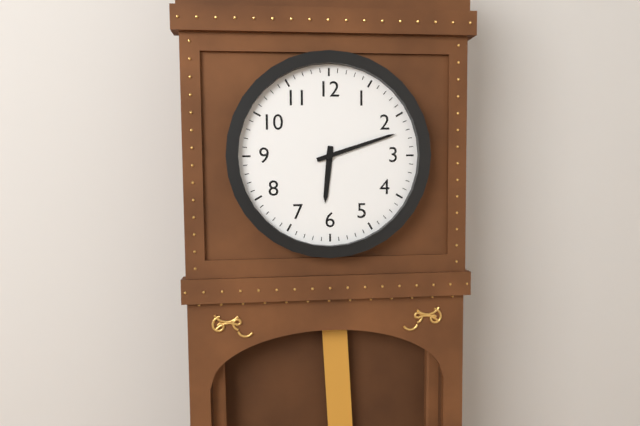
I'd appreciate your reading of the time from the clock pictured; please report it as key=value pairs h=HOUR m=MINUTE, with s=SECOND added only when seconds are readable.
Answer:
h=6 m=12
